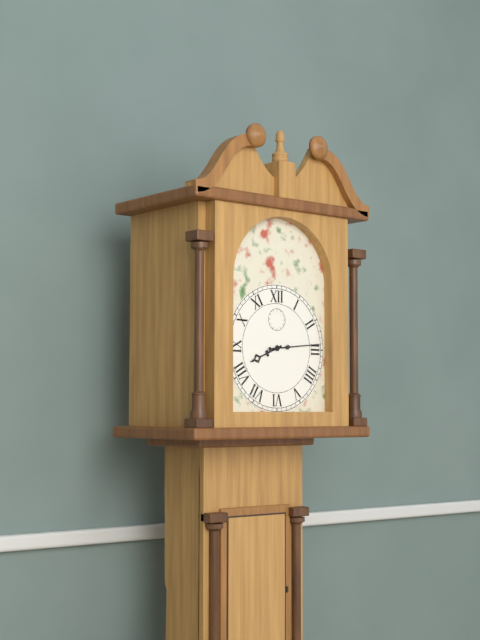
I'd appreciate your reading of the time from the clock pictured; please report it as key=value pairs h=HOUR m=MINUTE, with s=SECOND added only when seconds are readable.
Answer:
h=8 m=14
